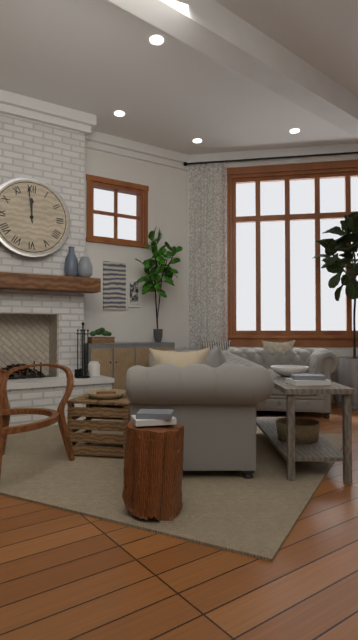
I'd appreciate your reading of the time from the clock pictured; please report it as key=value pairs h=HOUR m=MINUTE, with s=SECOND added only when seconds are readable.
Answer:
h=11 m=59
